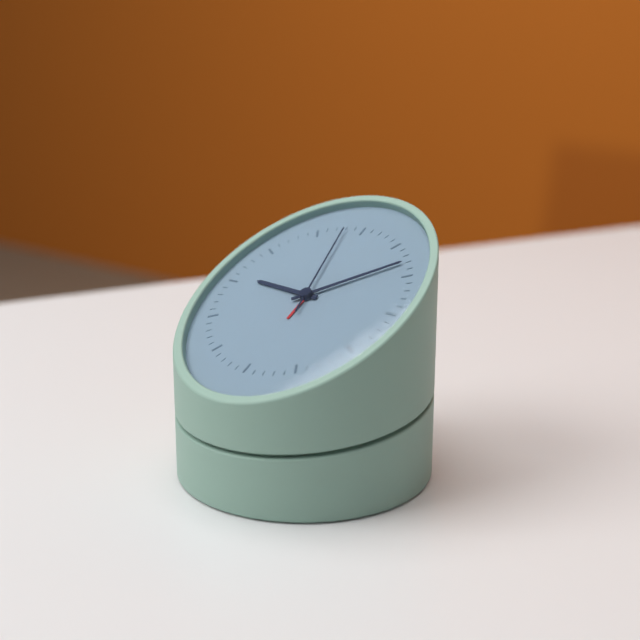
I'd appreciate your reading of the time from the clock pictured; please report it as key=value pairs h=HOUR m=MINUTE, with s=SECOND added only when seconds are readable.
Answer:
h=9 m=8 s=58
